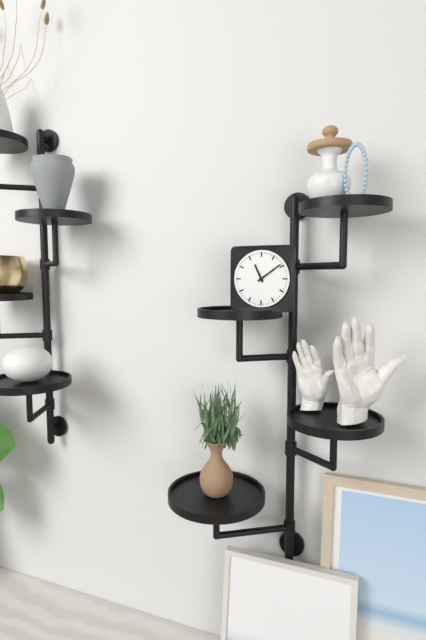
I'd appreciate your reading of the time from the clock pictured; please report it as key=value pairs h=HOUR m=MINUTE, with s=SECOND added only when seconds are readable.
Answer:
h=11 m=9
